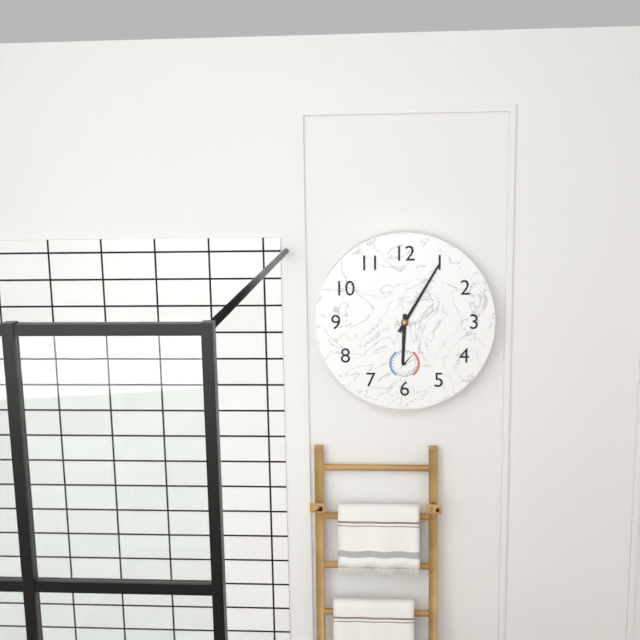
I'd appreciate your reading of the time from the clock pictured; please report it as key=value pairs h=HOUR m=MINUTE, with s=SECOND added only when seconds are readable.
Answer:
h=6 m=5
